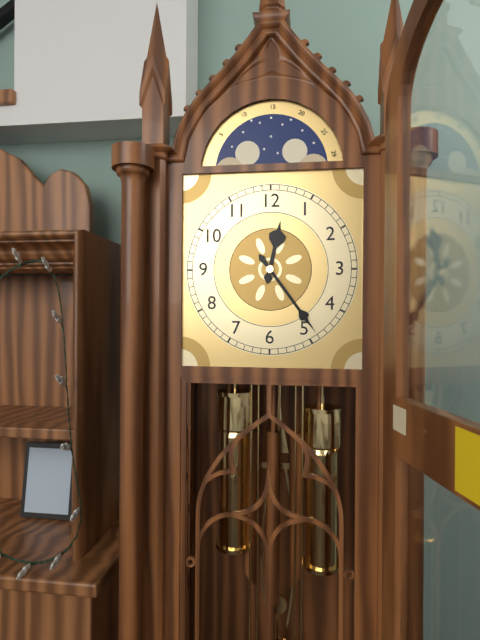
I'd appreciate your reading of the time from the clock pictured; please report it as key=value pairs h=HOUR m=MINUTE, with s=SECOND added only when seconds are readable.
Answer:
h=12 m=24
